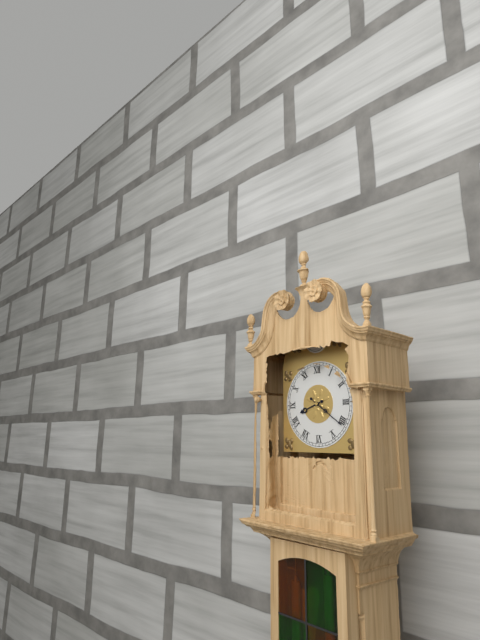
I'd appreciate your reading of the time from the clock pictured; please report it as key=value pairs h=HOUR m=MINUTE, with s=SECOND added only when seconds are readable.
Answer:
h=8 m=21
